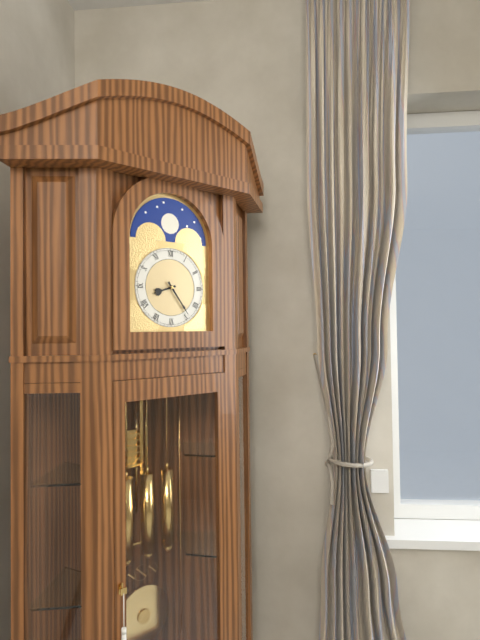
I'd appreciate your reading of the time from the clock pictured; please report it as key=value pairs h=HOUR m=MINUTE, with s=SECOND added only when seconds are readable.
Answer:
h=8 m=24
